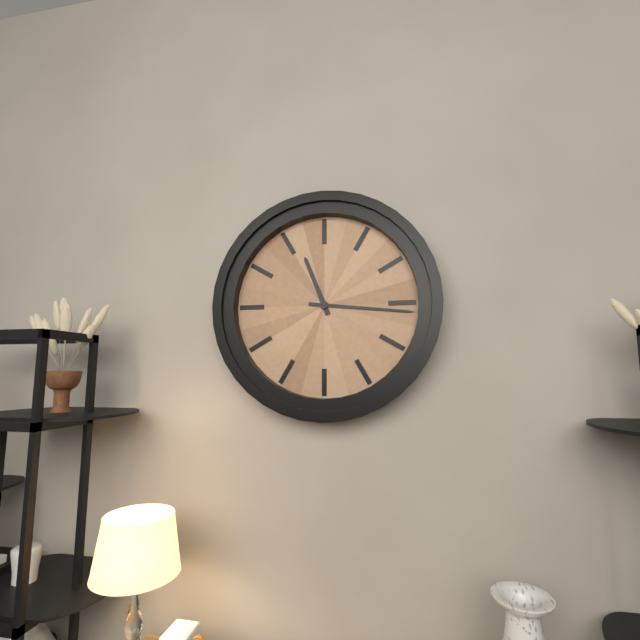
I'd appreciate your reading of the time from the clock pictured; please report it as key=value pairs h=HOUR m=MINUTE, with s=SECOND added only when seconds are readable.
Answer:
h=11 m=16
